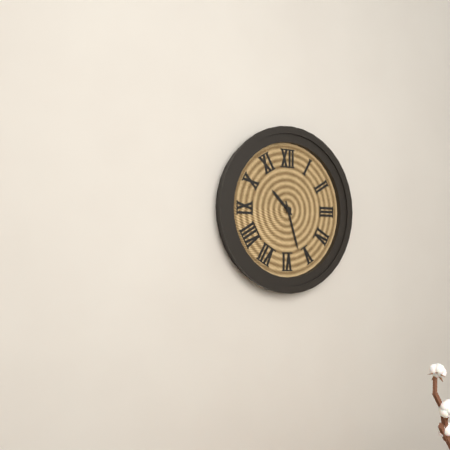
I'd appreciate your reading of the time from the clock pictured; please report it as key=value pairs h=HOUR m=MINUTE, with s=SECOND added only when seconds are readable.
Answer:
h=10 m=27
